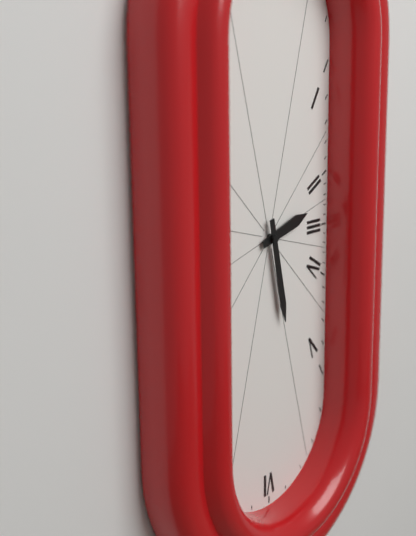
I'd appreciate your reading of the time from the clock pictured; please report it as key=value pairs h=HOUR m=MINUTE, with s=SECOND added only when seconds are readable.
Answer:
h=2 m=28
